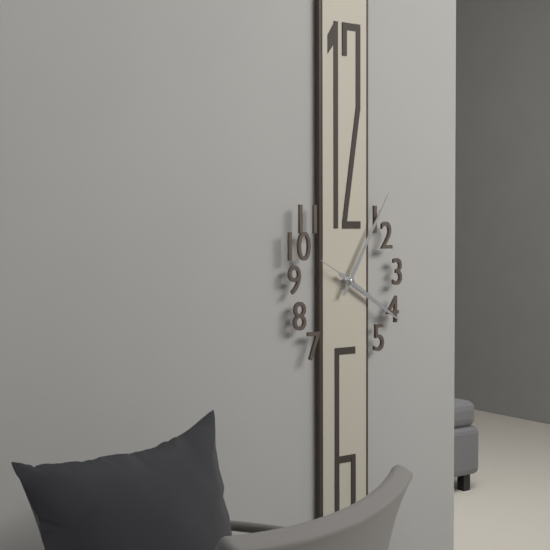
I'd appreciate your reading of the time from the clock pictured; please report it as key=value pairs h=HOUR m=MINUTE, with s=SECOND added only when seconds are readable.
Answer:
h=4 m=5
